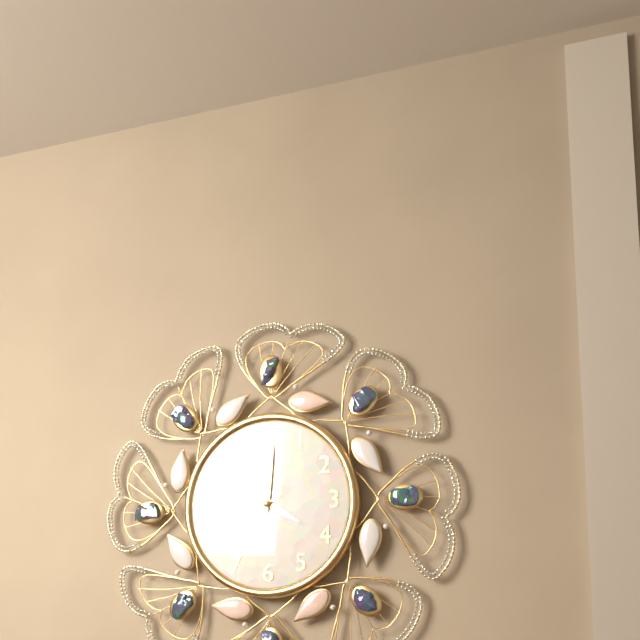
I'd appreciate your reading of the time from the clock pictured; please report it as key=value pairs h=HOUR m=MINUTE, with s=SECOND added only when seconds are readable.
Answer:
h=4 m=1 s=40
